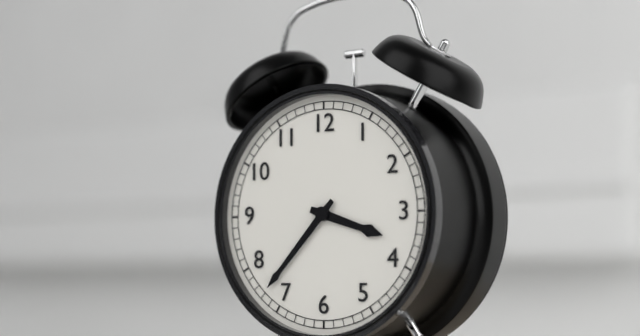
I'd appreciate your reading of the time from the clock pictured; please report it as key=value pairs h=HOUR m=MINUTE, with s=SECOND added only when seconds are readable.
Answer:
h=3 m=37
